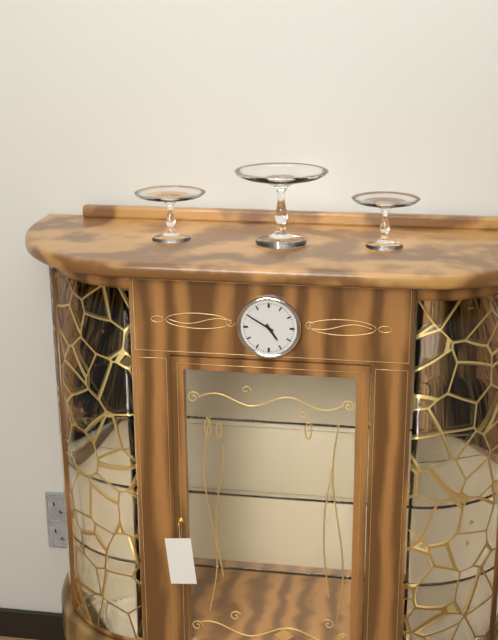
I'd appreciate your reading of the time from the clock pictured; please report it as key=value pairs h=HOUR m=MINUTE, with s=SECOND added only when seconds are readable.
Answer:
h=4 m=50
